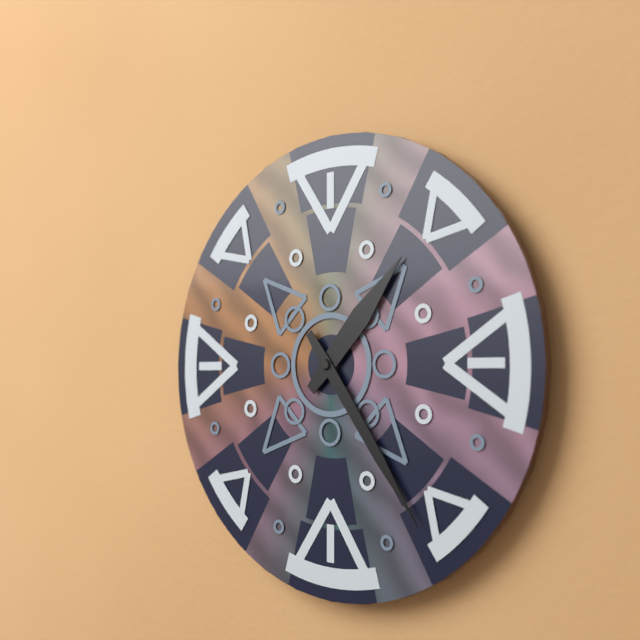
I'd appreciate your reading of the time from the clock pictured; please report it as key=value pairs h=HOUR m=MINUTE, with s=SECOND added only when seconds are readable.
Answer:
h=1 m=24
